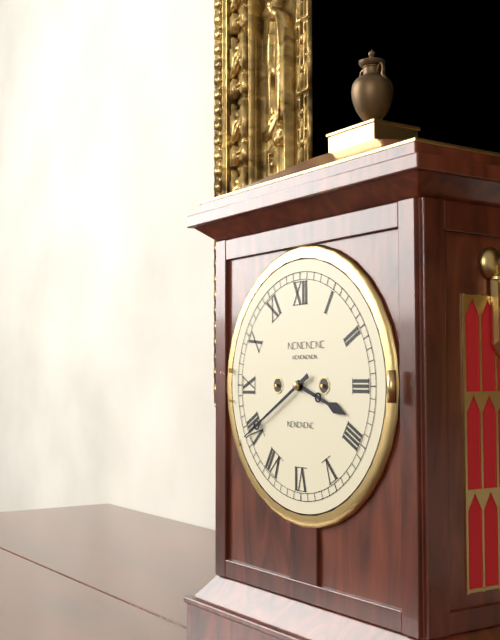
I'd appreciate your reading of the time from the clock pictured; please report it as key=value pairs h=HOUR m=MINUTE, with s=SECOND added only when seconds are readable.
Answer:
h=3 m=40
